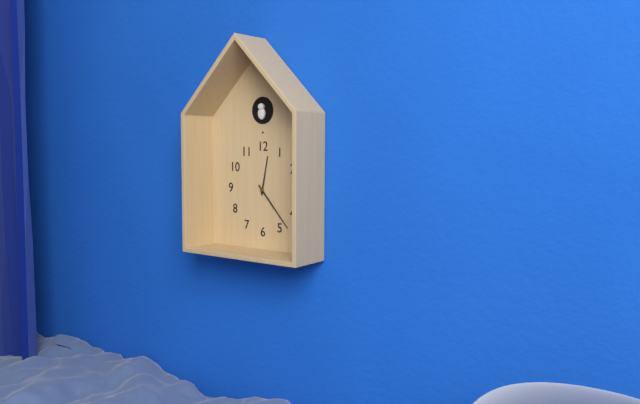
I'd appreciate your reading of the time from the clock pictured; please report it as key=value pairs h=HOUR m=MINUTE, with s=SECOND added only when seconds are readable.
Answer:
h=12 m=23
